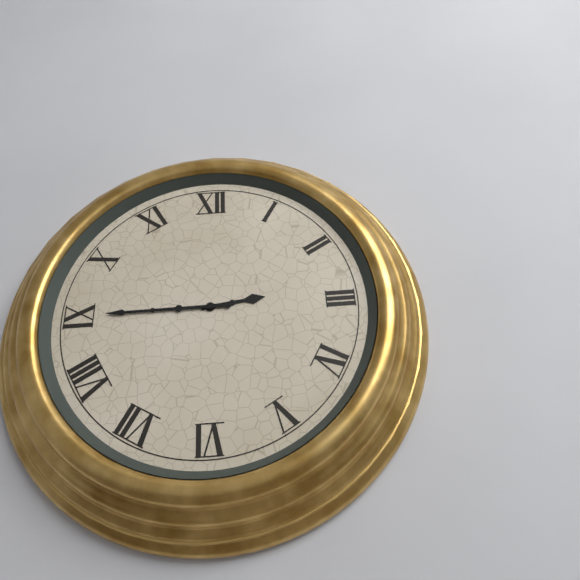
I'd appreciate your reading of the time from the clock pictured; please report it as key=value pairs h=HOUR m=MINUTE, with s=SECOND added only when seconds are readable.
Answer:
h=2 m=45
